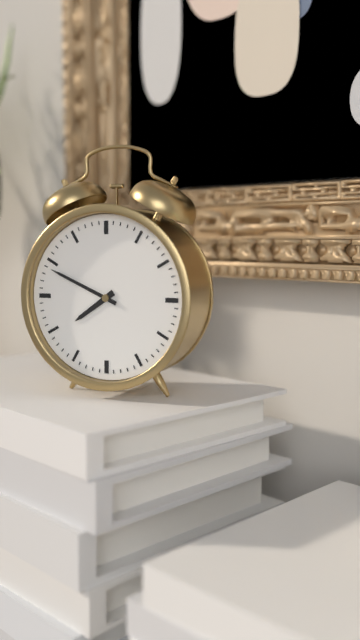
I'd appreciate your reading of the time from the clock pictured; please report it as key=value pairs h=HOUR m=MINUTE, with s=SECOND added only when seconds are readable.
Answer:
h=7 m=49
